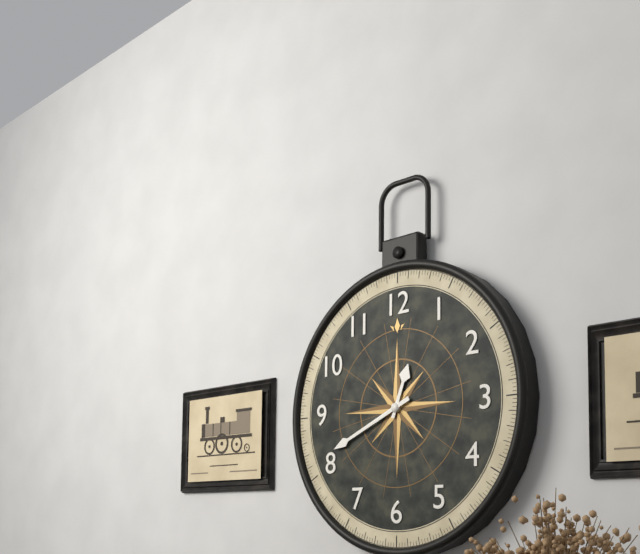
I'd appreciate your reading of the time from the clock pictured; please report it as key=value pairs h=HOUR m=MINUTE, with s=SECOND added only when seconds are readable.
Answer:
h=12 m=41
